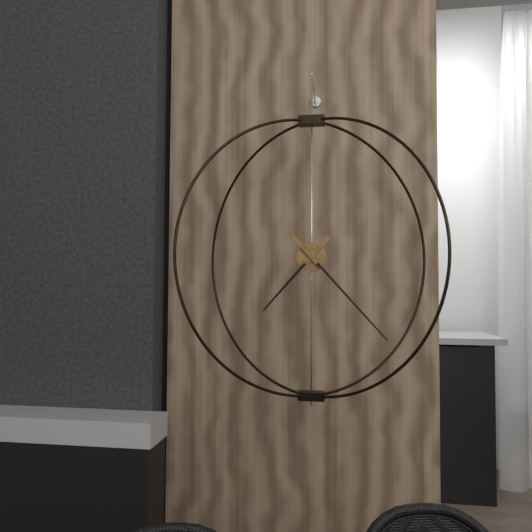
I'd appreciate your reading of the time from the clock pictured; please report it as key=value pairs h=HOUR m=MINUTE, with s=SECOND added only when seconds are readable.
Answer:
h=7 m=23
